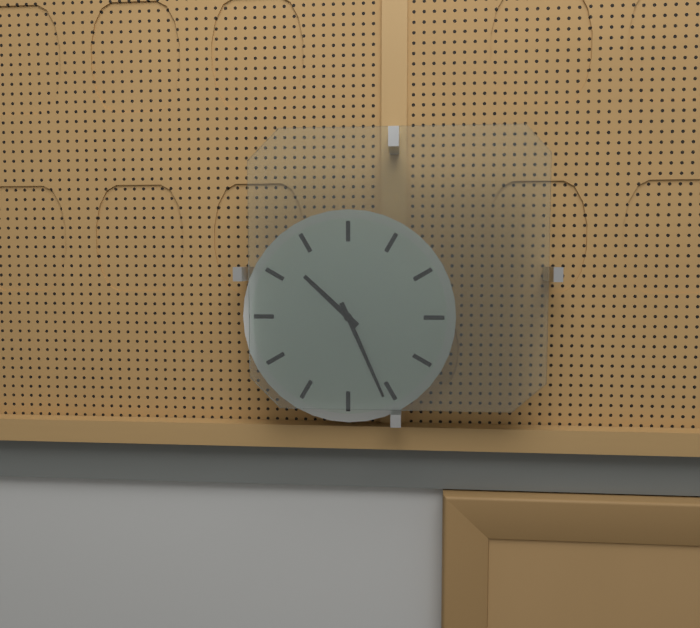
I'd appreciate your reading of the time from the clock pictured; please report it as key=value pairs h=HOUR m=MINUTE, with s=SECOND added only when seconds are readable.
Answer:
h=10 m=26
